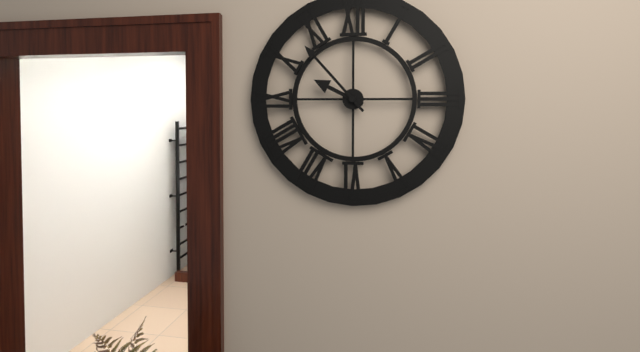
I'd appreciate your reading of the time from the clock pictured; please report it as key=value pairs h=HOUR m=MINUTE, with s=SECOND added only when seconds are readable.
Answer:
h=9 m=53
